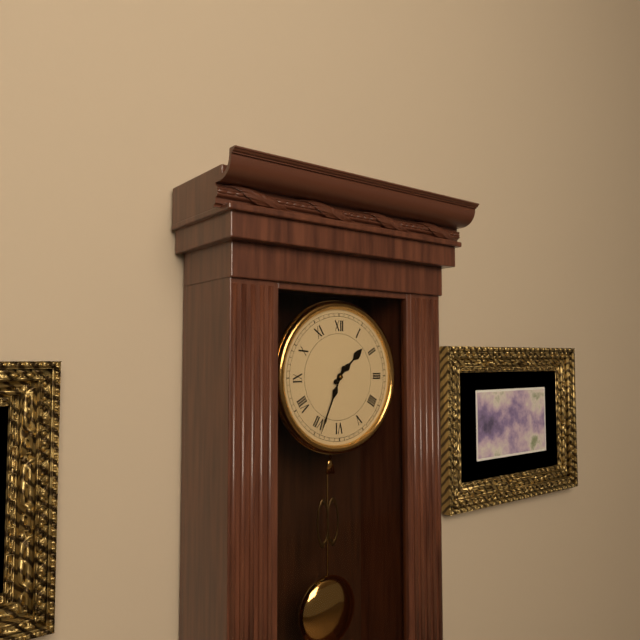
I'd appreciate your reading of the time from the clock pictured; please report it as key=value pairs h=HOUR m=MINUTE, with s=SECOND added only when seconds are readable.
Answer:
h=1 m=34
